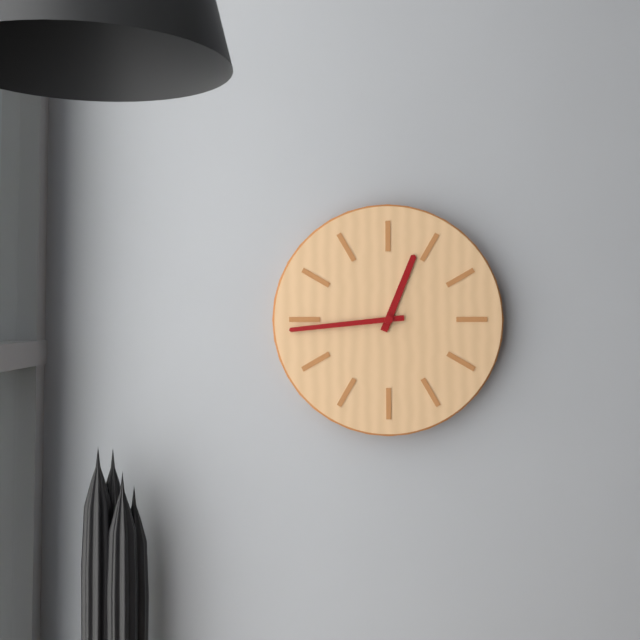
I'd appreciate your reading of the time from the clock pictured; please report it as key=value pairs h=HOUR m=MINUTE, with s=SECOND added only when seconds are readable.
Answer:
h=12 m=44
